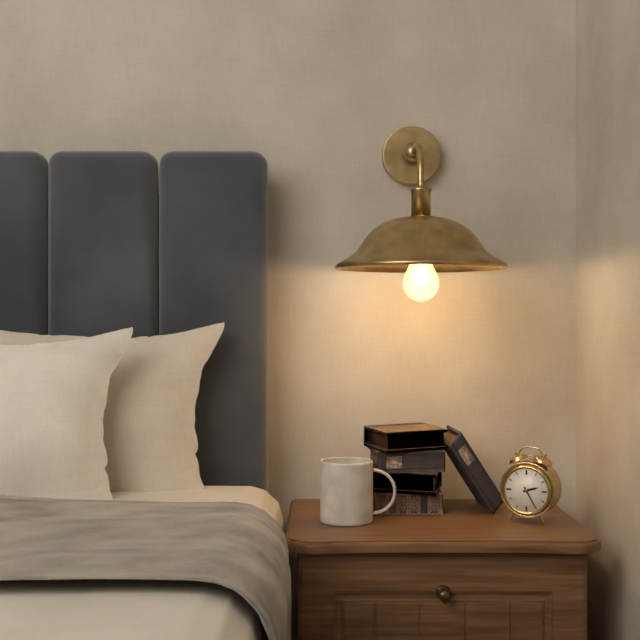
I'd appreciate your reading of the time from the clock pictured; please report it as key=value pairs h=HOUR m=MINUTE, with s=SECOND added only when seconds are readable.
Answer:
h=2 m=25
